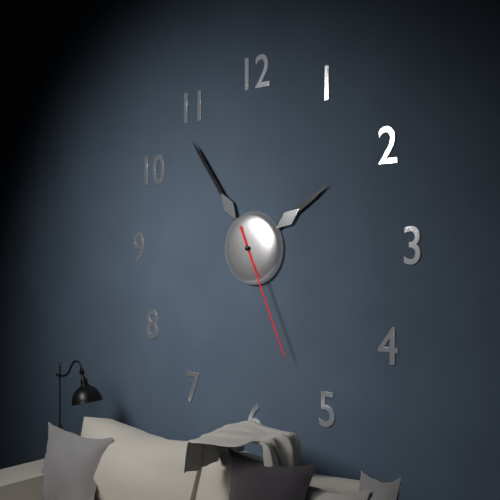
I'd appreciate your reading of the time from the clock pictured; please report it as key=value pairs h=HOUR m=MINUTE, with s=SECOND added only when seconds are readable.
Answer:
h=1 m=54 s=26
